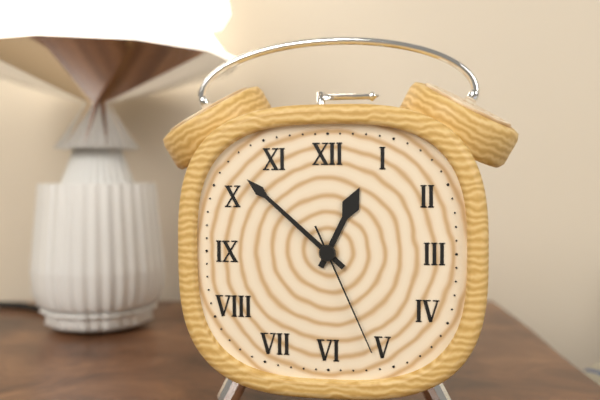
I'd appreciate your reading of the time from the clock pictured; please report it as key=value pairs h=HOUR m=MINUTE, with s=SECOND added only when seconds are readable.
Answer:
h=12 m=52 s=26
